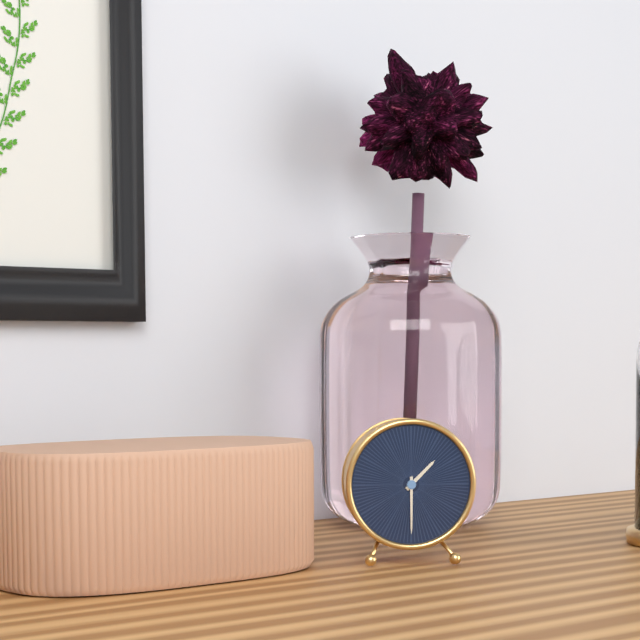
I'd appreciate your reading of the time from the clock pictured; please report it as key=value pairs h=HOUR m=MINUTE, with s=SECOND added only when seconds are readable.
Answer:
h=1 m=30
